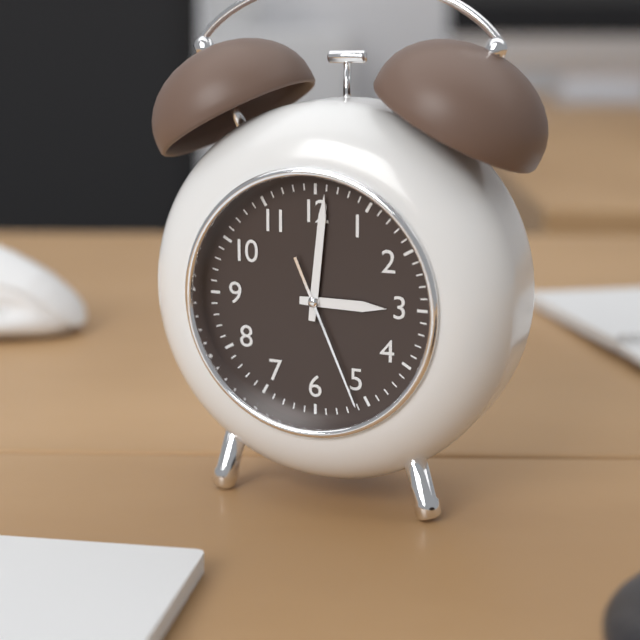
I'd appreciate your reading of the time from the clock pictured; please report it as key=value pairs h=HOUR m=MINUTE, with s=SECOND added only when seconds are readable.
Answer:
h=3 m=1 s=26
